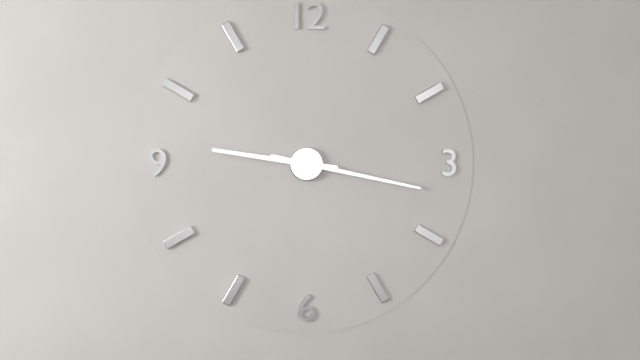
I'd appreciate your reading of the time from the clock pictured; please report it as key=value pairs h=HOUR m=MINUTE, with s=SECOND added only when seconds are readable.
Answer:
h=9 m=17
